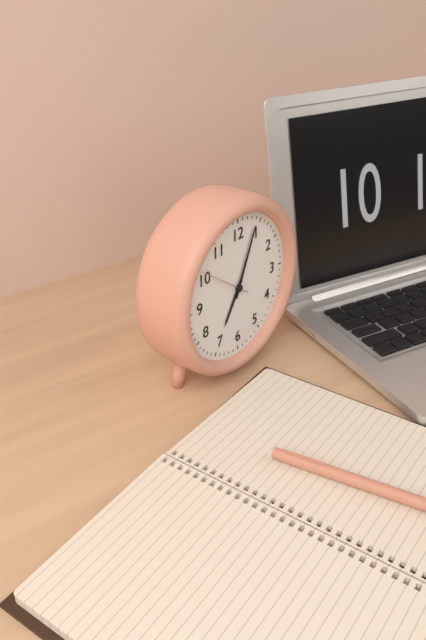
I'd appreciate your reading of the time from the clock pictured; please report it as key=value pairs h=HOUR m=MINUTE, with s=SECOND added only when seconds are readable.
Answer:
h=7 m=4 s=51
